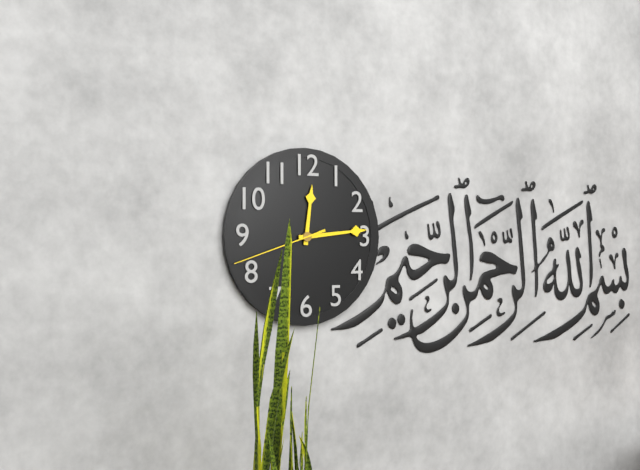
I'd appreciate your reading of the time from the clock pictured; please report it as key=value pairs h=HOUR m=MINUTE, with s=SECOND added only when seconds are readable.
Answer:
h=12 m=14 s=42
